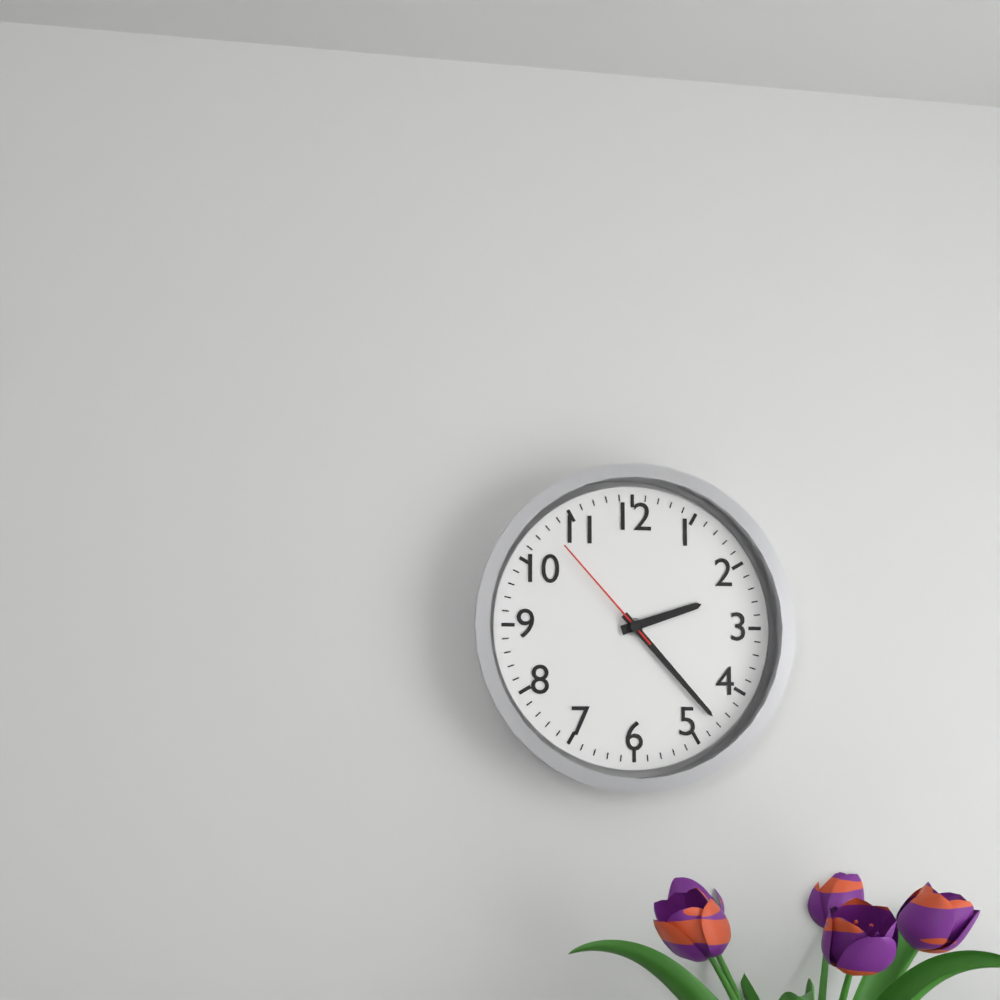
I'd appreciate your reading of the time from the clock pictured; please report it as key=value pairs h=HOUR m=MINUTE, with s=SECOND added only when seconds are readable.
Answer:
h=2 m=23 s=53
